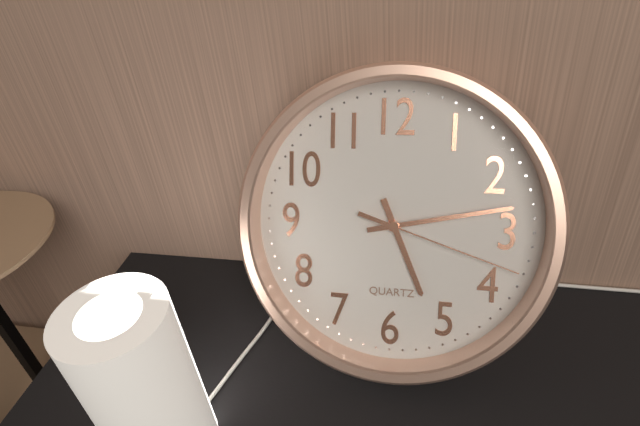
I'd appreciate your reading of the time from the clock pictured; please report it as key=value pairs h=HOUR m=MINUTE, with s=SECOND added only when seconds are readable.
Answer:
h=5 m=13 s=18
